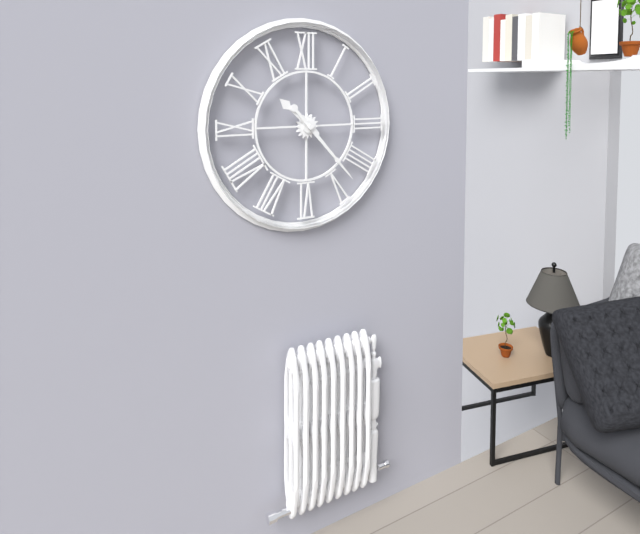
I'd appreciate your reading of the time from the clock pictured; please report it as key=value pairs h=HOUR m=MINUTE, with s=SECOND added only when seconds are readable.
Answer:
h=10 m=23
